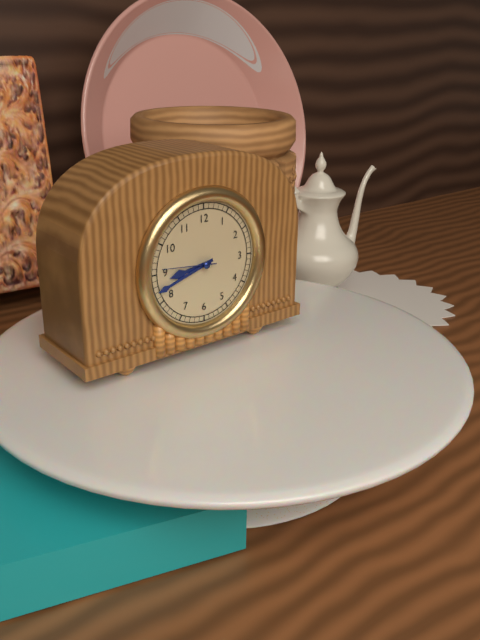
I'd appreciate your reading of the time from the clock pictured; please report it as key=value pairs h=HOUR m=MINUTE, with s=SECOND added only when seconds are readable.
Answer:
h=8 m=42 s=46
